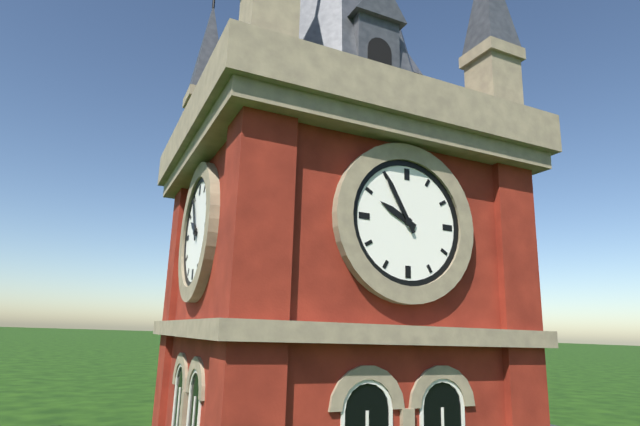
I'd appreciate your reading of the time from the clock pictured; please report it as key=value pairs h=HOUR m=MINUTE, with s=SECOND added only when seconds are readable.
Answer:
h=9 m=55
